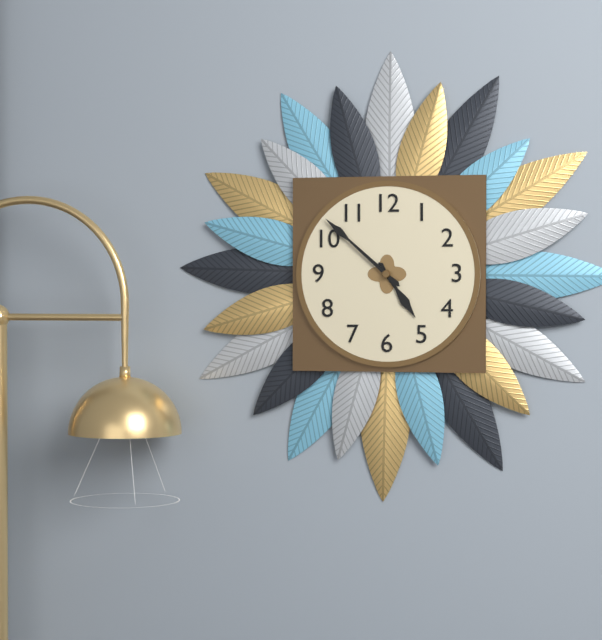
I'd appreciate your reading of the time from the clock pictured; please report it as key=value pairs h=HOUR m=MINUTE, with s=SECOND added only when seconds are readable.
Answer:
h=4 m=52
